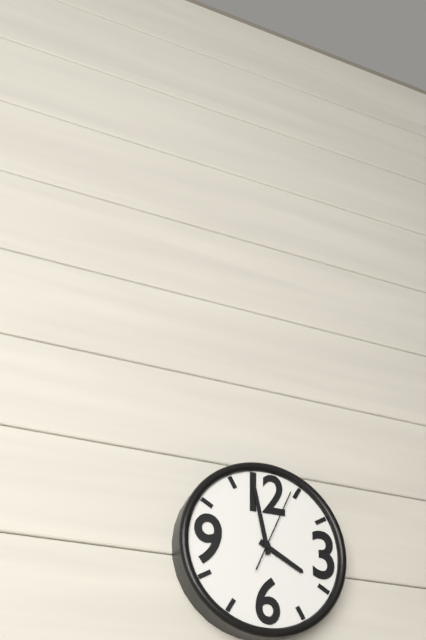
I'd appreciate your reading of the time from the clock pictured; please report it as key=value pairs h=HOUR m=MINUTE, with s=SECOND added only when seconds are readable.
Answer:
h=3 m=58 s=4
